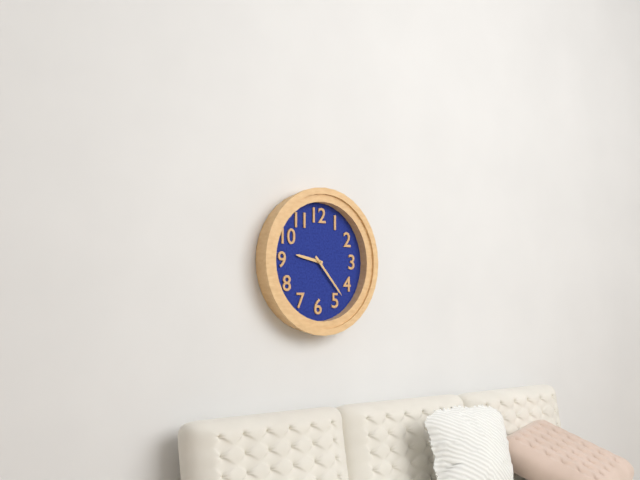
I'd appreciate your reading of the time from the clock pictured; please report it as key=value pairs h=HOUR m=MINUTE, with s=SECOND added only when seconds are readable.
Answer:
h=9 m=23
